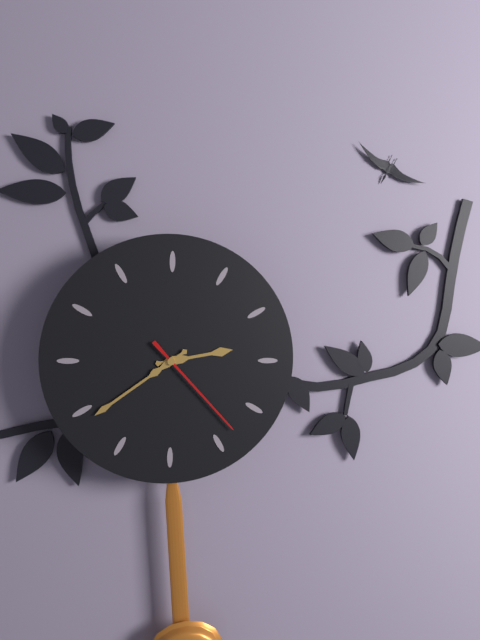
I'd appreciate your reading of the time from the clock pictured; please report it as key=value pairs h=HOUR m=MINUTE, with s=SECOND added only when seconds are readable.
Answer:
h=2 m=39 s=23
